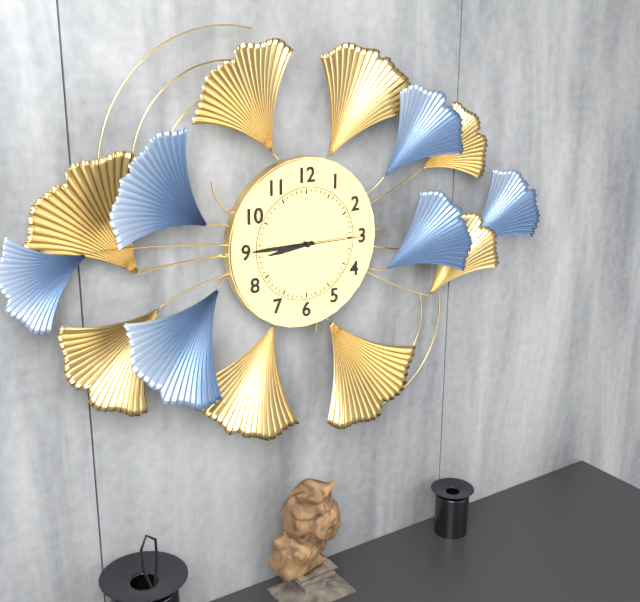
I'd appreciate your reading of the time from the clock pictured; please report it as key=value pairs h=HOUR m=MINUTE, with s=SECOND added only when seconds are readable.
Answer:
h=8 m=45 s=15
